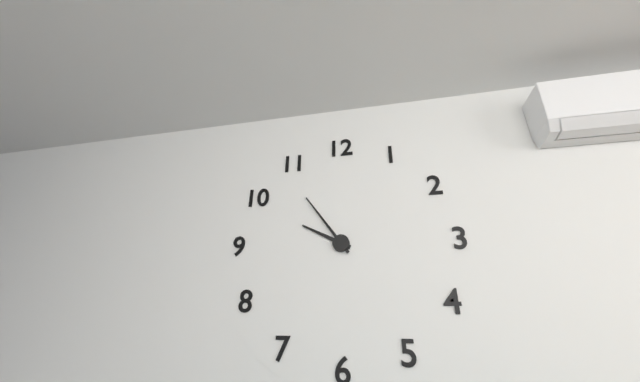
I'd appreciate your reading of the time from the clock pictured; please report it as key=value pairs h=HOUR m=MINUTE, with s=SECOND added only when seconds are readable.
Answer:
h=9 m=54
